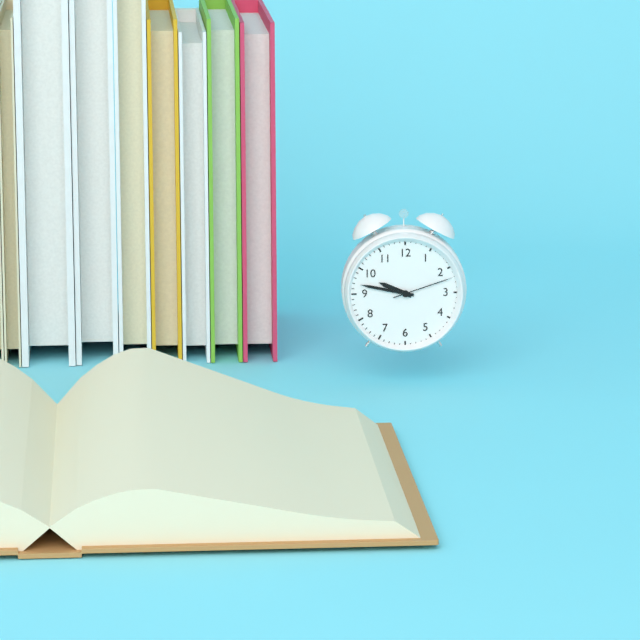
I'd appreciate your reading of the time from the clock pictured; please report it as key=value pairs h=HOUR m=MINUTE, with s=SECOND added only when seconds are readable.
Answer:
h=9 m=47 s=12
